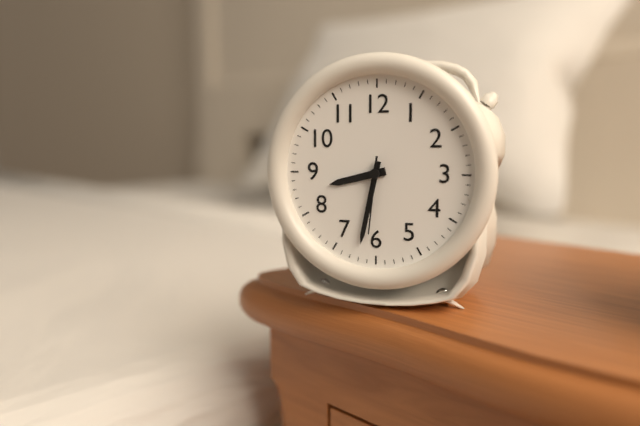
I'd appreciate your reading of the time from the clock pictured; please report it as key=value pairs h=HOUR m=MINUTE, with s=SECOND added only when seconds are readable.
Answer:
h=8 m=32 s=31
